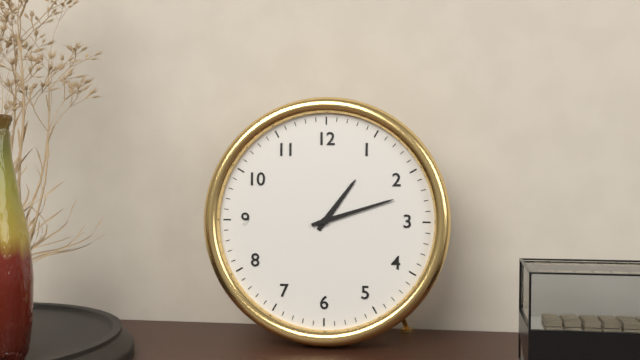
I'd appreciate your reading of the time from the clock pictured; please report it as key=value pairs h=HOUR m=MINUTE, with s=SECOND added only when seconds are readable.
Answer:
h=1 m=12
